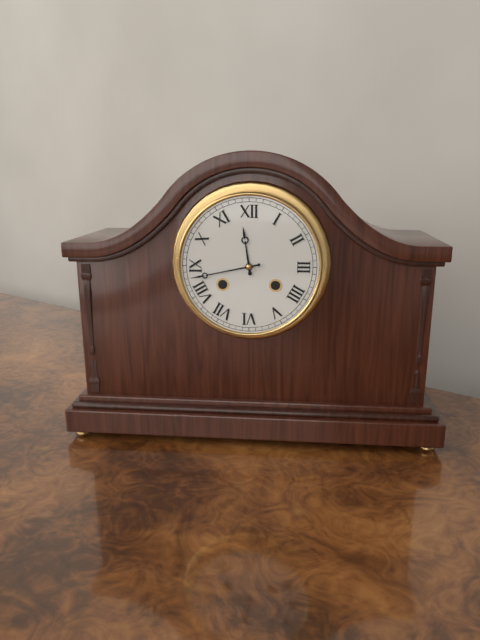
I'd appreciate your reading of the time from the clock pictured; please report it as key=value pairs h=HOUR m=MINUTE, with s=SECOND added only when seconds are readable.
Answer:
h=11 m=43
